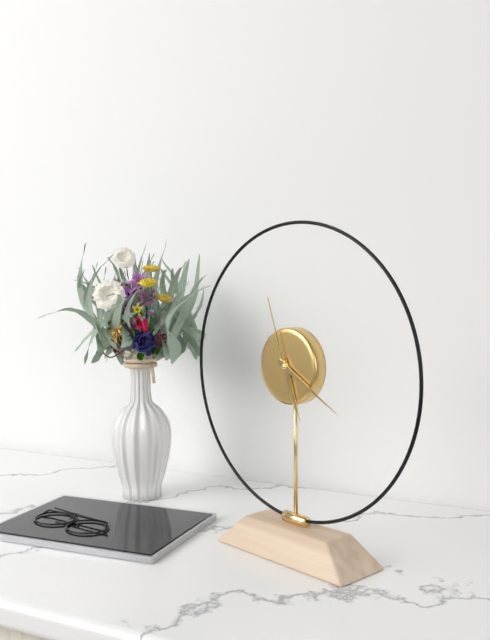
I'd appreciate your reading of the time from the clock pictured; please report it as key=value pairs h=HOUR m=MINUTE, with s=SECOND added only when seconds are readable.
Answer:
h=5 m=20 s=57
